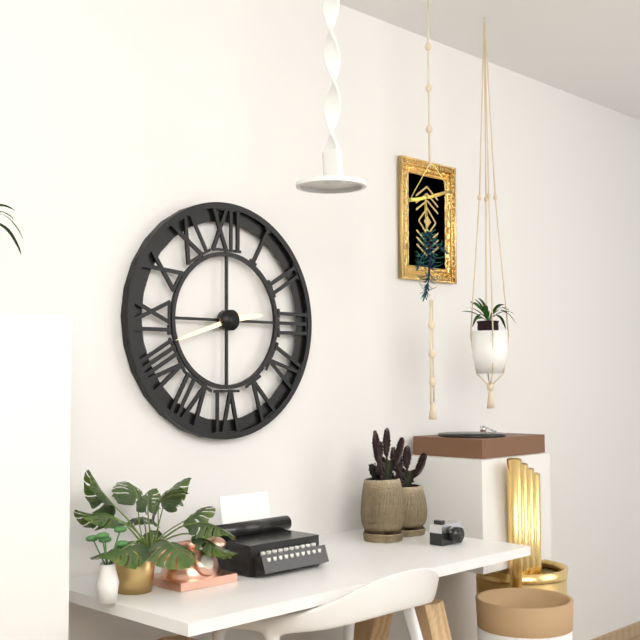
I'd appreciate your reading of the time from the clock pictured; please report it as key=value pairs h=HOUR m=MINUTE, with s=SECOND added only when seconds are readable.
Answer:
h=2 m=42
